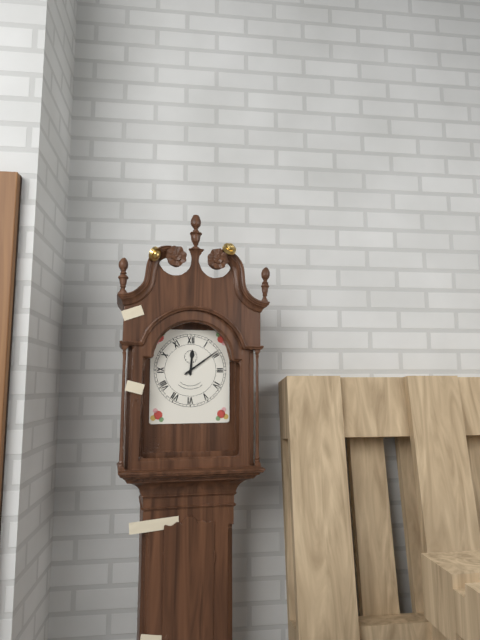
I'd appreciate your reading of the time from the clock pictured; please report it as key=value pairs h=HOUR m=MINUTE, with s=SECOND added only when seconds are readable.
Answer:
h=12 m=9
